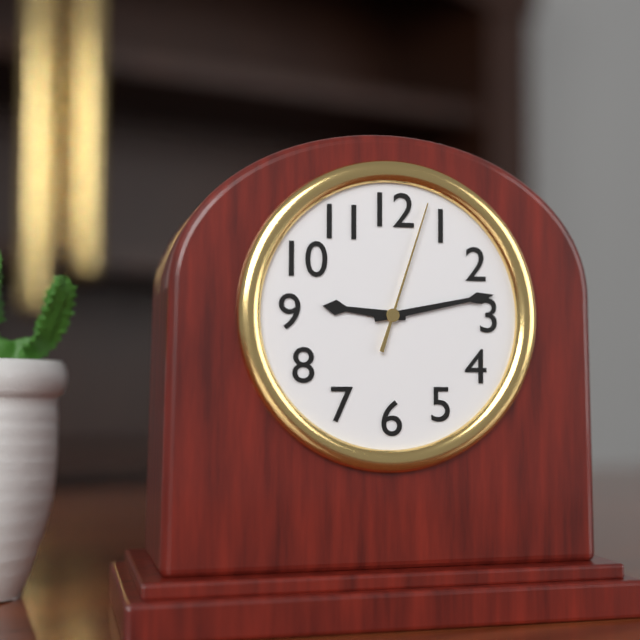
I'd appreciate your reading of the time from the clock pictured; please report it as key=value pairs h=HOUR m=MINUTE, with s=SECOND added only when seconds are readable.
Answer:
h=9 m=13 s=3
